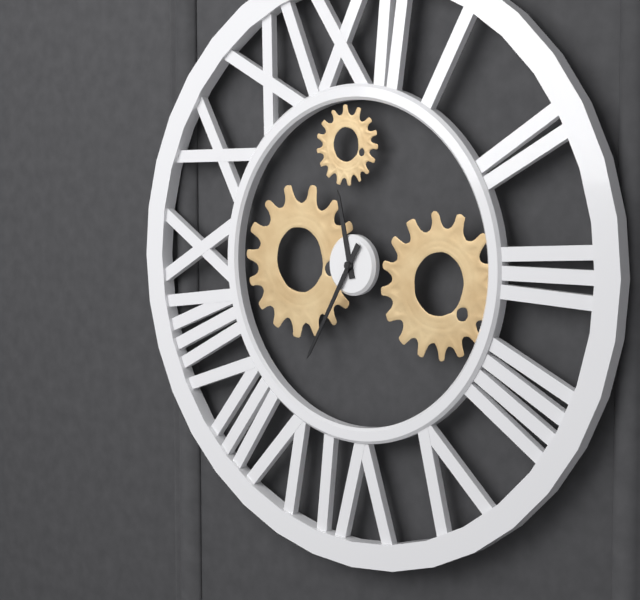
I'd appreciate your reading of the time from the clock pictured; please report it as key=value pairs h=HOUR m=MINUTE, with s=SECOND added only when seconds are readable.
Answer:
h=11 m=35
